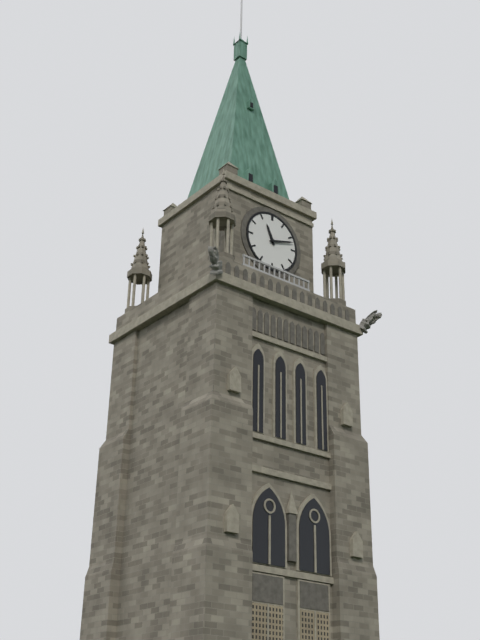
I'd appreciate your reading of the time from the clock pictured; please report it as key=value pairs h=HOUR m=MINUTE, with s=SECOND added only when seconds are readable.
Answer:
h=11 m=12
